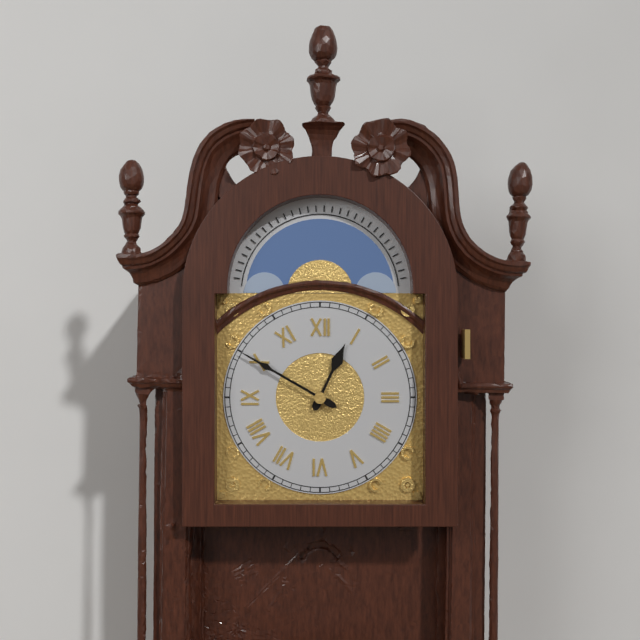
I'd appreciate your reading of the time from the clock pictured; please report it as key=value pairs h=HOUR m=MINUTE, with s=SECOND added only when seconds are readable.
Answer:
h=12 m=50
